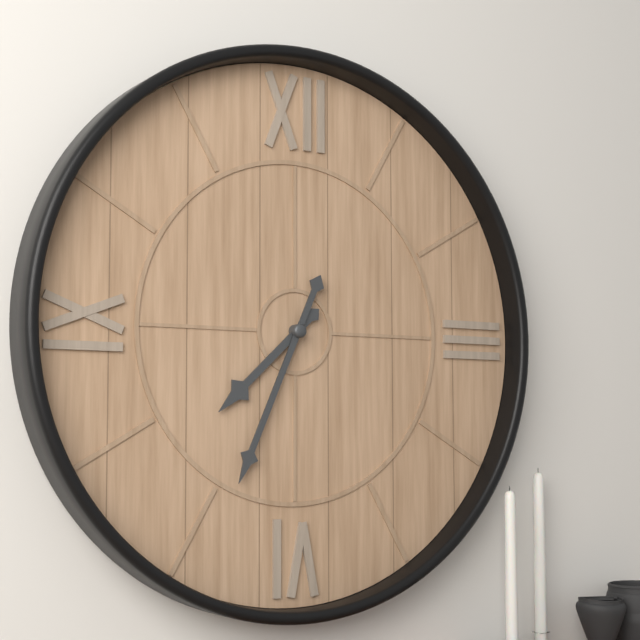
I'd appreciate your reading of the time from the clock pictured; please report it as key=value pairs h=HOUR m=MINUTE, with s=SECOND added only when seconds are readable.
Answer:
h=7 m=34
